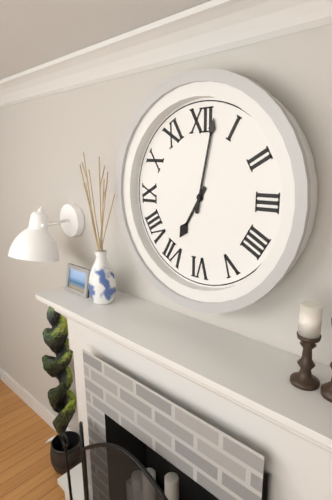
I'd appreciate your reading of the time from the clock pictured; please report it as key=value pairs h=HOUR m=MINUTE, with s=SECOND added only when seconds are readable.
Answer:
h=7 m=2
